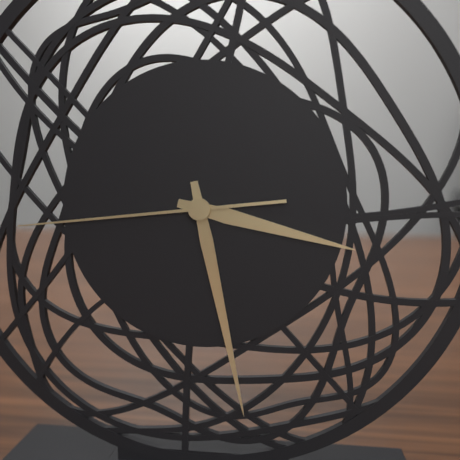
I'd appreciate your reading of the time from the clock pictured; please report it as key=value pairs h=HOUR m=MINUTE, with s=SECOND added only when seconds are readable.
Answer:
h=3 m=28 s=44
